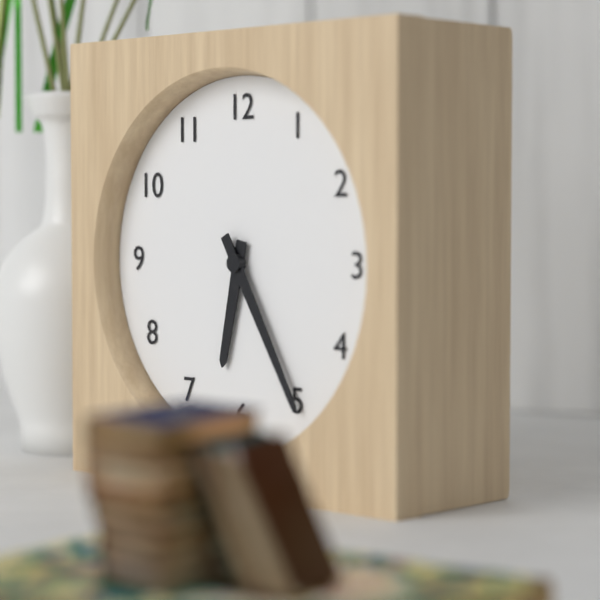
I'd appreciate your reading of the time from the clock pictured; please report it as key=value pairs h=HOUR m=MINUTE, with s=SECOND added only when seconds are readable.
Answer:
h=6 m=25
